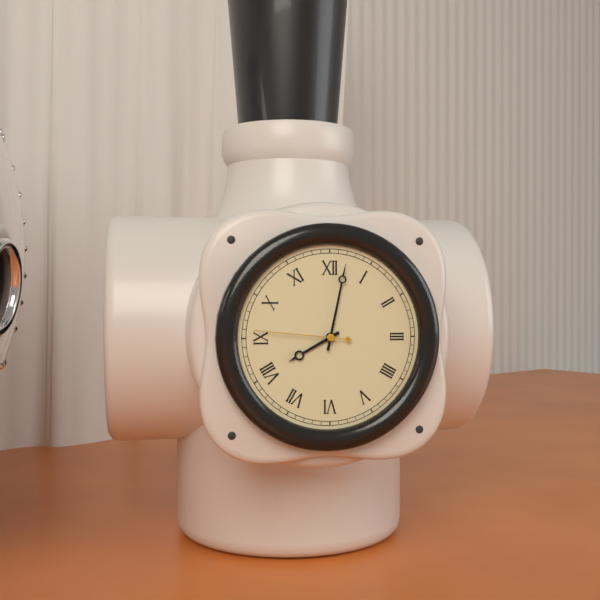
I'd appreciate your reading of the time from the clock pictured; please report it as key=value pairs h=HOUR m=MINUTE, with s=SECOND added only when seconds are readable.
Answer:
h=8 m=2 s=46
